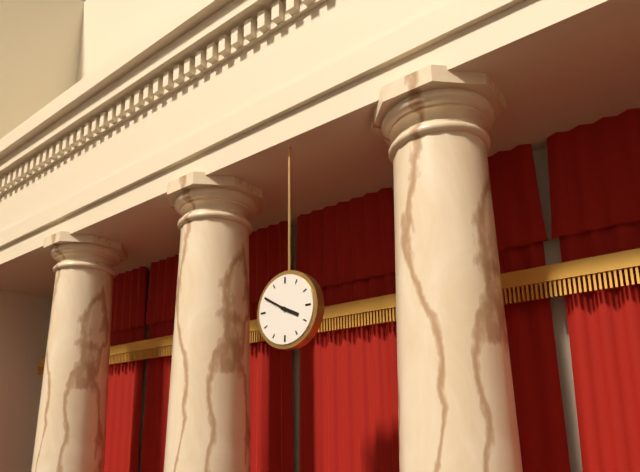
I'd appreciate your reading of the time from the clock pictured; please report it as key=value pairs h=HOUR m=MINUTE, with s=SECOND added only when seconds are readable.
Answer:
h=3 m=50
